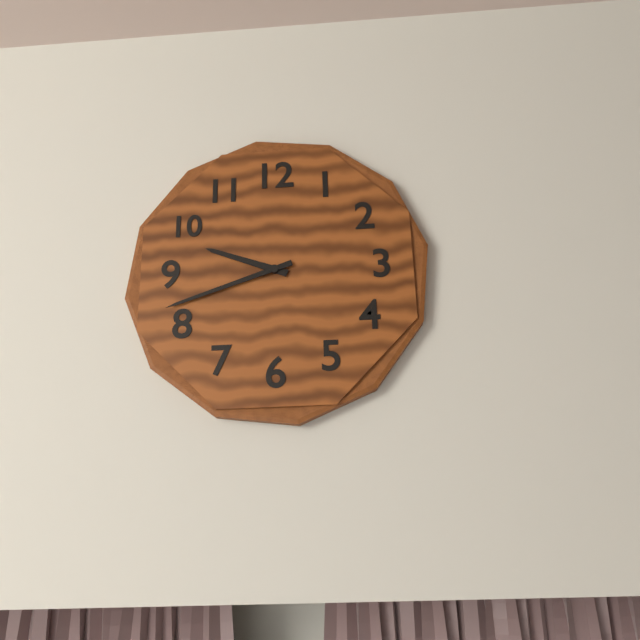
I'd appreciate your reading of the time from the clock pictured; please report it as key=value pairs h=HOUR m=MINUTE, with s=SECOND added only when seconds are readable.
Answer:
h=9 m=42
